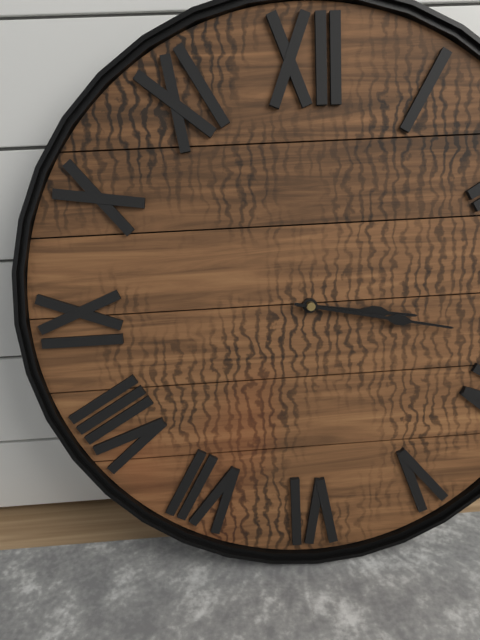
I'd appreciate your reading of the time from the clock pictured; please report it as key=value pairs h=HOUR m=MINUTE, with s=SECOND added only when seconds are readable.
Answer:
h=3 m=17
